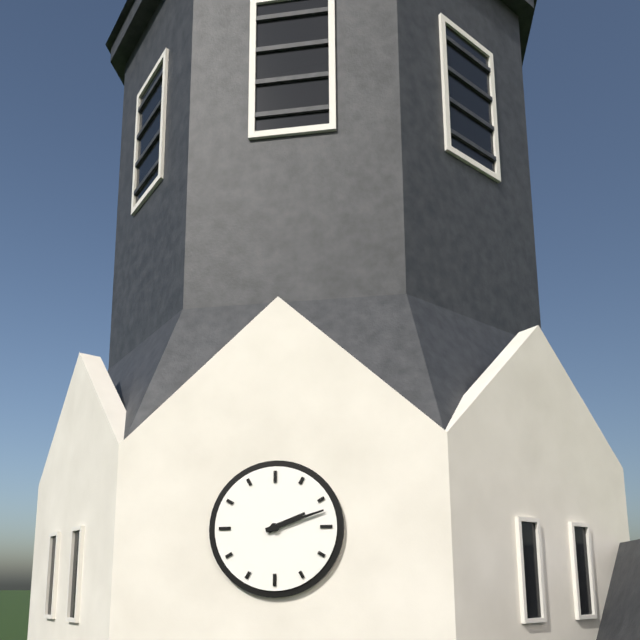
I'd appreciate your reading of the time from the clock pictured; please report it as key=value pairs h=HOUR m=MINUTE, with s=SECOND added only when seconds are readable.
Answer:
h=2 m=12
